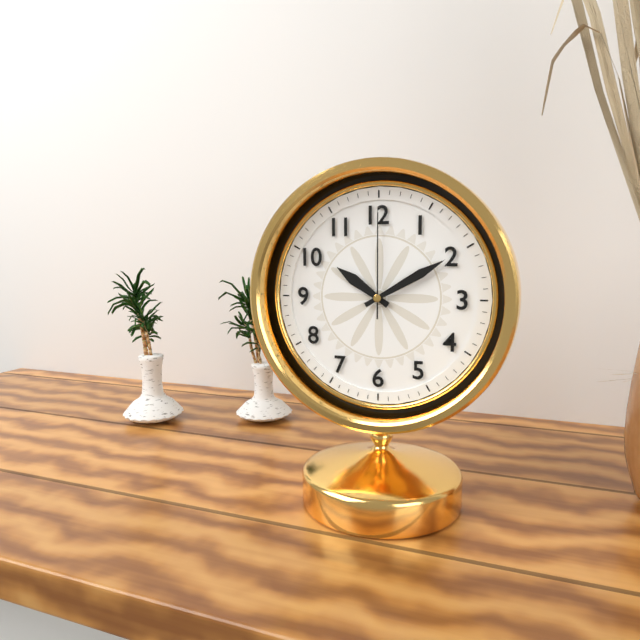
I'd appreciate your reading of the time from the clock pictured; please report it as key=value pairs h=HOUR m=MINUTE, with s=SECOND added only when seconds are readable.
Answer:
h=10 m=10 s=0
